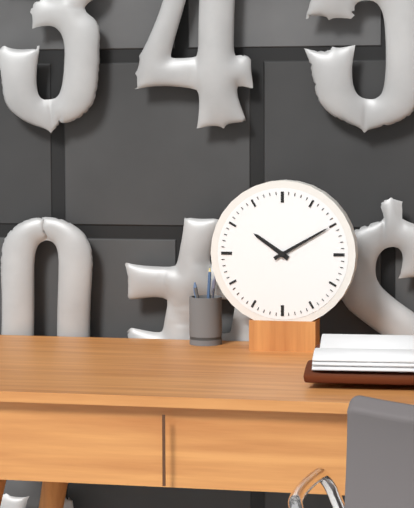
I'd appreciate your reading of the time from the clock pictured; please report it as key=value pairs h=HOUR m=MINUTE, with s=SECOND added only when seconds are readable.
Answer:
h=10 m=10
